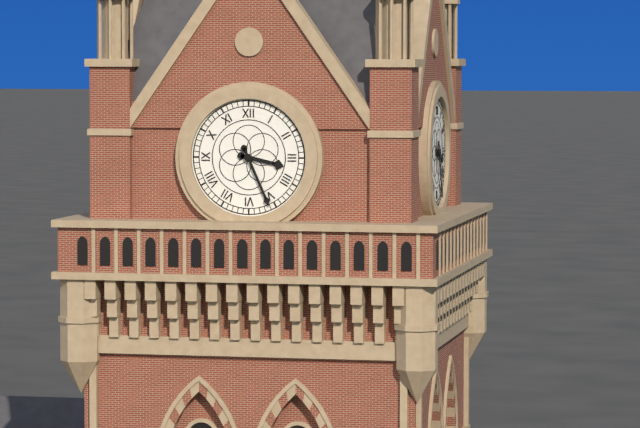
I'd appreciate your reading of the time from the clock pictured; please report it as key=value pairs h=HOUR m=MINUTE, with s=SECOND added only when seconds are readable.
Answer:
h=3 m=26
